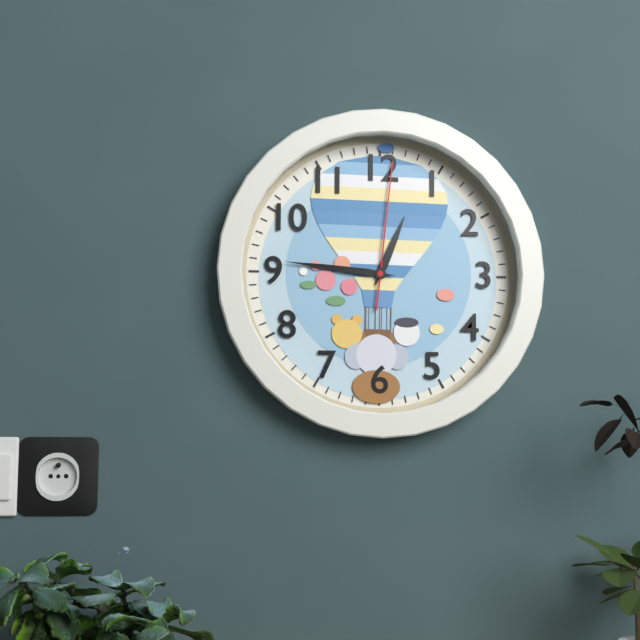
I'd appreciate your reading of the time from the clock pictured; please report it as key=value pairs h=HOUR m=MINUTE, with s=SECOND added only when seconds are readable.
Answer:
h=12 m=46 s=1
